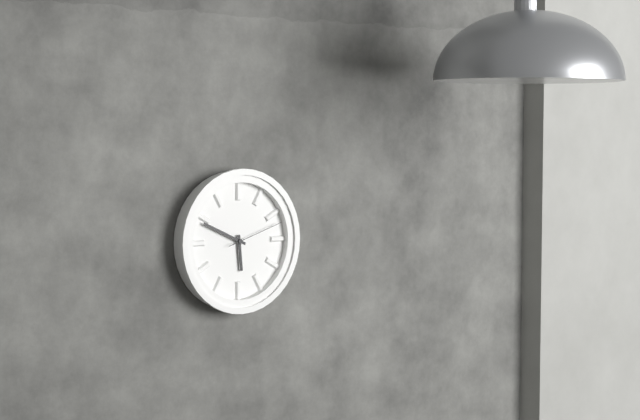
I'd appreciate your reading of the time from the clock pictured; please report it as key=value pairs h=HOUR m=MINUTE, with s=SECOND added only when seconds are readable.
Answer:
h=5 m=49 s=12
